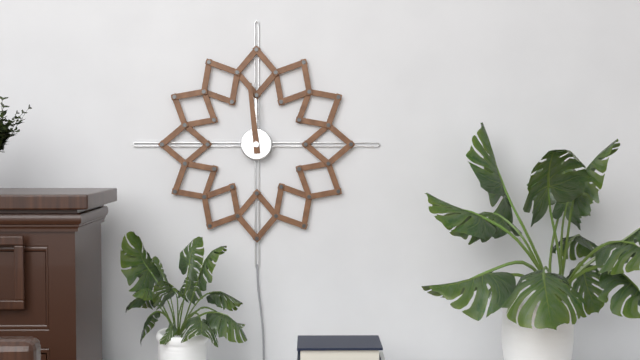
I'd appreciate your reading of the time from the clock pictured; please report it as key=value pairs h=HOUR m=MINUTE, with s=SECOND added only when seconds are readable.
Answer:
h=11 m=59
